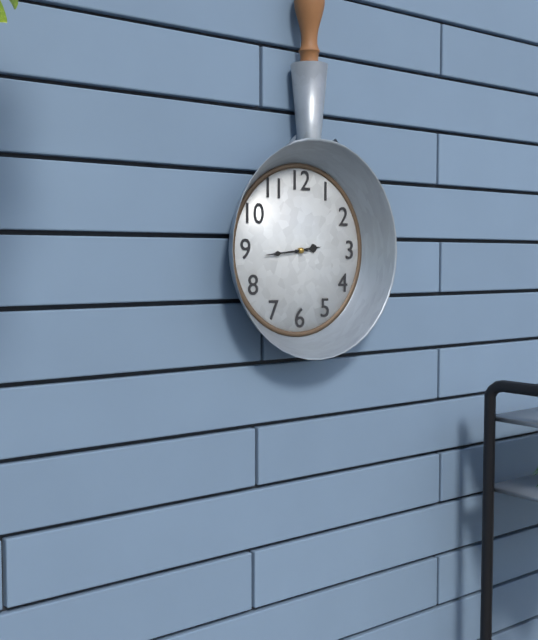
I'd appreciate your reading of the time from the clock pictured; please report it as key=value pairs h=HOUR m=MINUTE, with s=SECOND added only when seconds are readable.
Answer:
h=2 m=44
